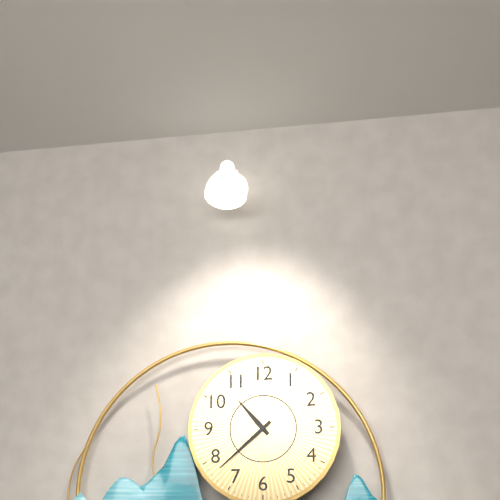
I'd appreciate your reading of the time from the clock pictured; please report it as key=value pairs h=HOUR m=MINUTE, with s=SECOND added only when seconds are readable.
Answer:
h=10 m=38
